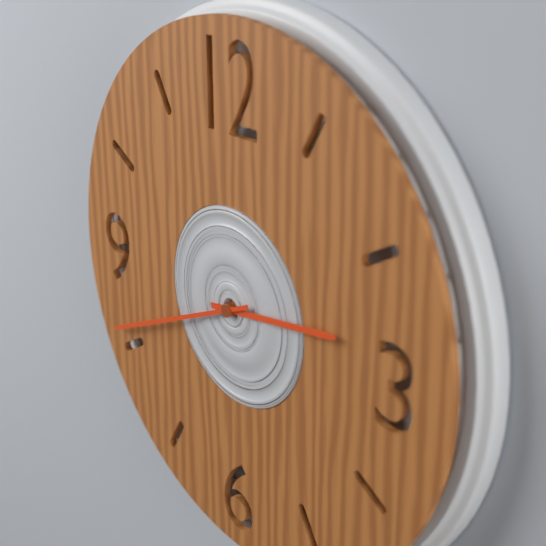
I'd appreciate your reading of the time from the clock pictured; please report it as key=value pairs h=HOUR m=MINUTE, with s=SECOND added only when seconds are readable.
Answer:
h=2 m=41
